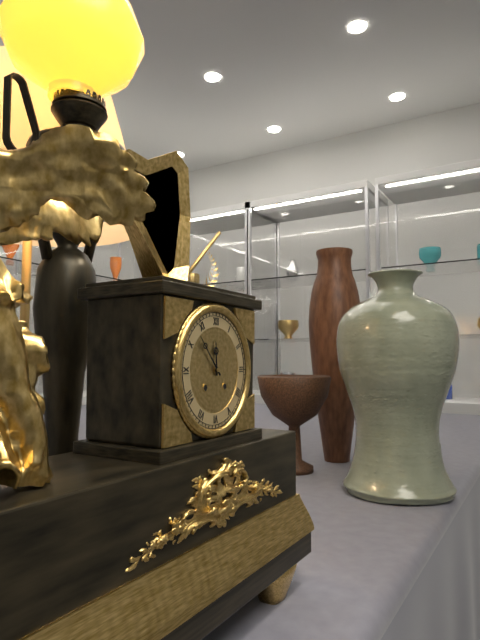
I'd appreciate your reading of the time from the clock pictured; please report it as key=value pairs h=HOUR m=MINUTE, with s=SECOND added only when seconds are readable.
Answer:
h=11 m=53
